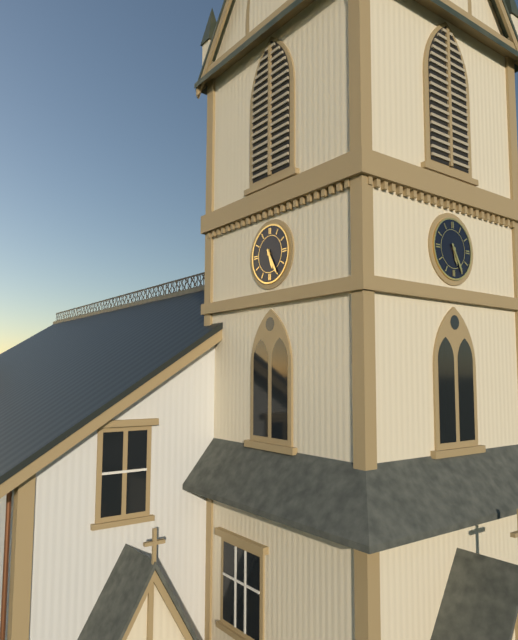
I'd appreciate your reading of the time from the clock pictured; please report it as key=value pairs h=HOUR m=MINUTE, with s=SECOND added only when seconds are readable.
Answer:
h=5 m=25
